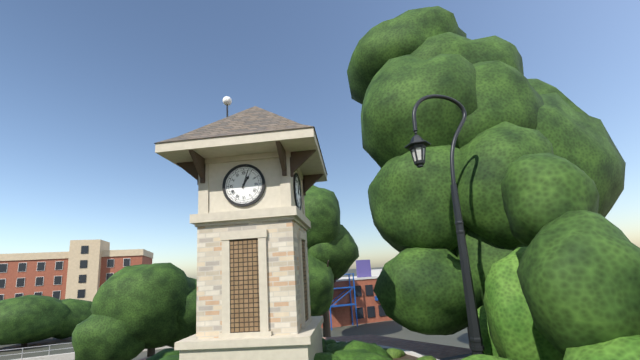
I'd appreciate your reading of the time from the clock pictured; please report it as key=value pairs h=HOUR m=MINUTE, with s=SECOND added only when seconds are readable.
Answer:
h=1 m=3
